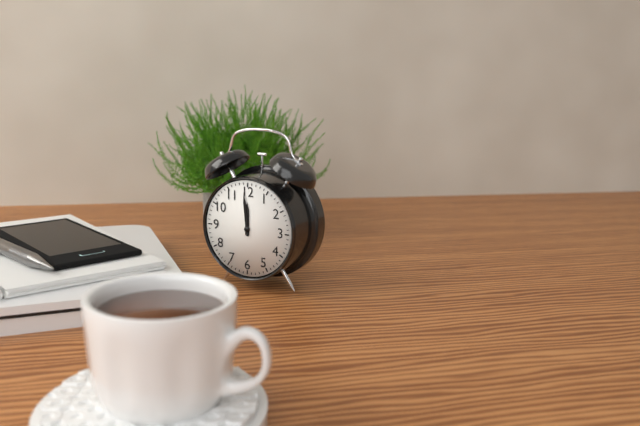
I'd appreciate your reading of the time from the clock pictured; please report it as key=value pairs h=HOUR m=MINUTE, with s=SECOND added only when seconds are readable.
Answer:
h=11 m=59
